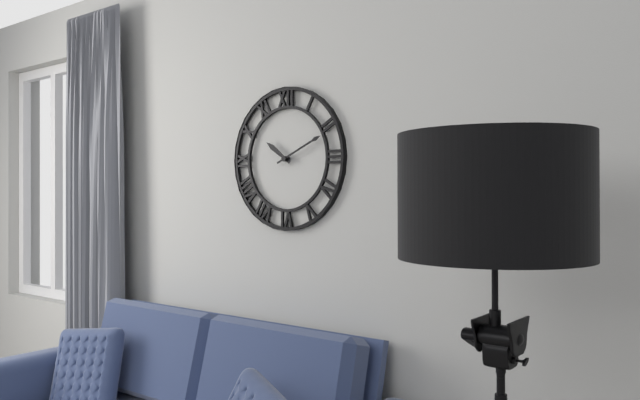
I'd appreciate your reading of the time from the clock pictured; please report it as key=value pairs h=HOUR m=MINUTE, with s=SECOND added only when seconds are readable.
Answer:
h=10 m=11
